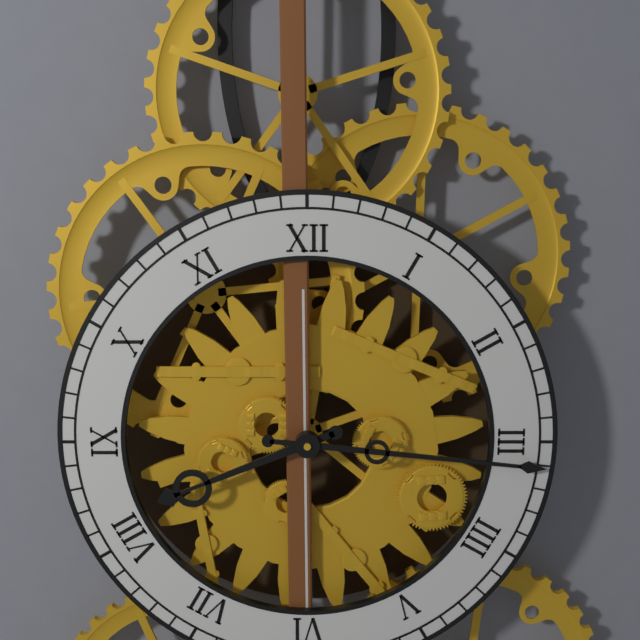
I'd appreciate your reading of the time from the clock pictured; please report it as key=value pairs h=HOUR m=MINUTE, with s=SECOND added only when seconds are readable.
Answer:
h=8 m=16
